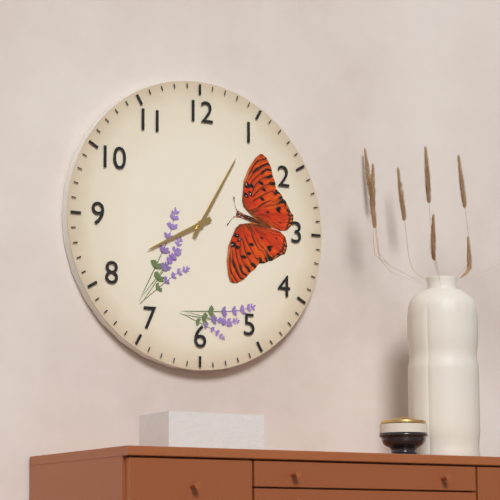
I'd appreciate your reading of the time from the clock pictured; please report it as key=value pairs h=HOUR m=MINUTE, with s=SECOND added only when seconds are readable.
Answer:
h=8 m=5
